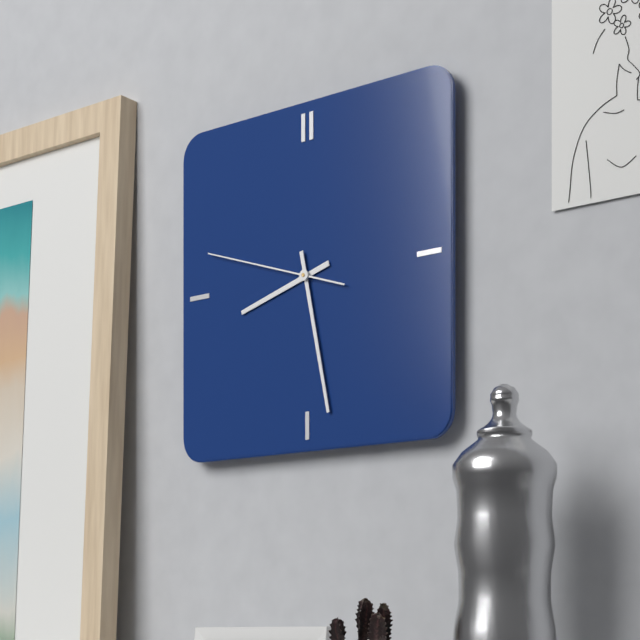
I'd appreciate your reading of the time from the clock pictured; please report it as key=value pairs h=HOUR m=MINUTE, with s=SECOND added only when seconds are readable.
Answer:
h=8 m=28 s=48
